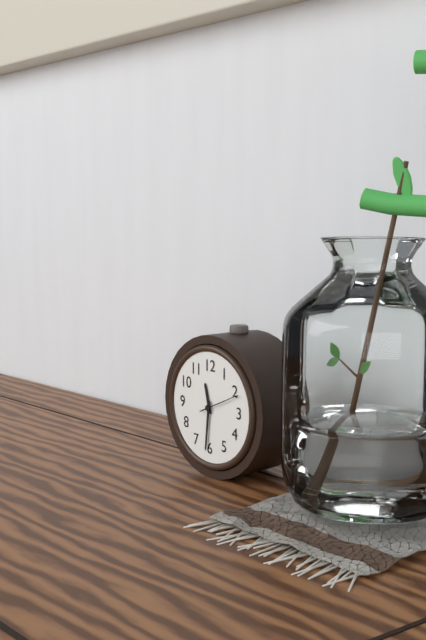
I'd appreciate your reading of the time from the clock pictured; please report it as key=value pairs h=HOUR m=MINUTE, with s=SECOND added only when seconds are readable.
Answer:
h=11 m=31
